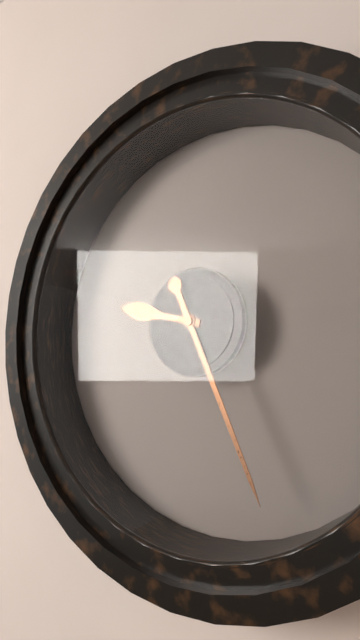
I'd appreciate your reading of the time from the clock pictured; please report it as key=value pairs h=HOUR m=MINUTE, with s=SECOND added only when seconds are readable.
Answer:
h=9 m=26
